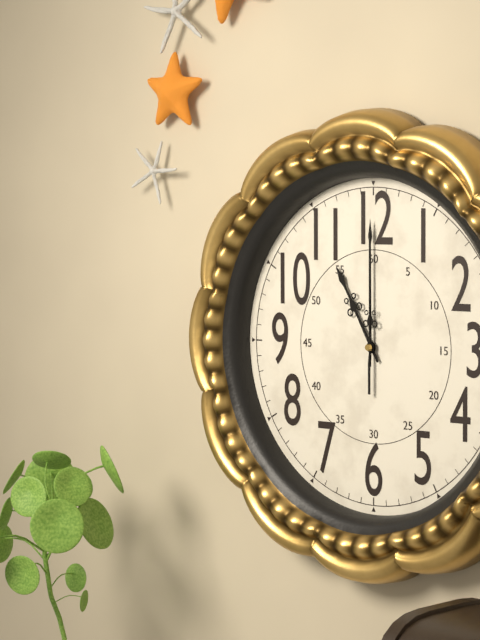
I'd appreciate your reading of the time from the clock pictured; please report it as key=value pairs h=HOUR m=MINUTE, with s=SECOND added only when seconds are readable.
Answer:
h=11 m=0 s=0
